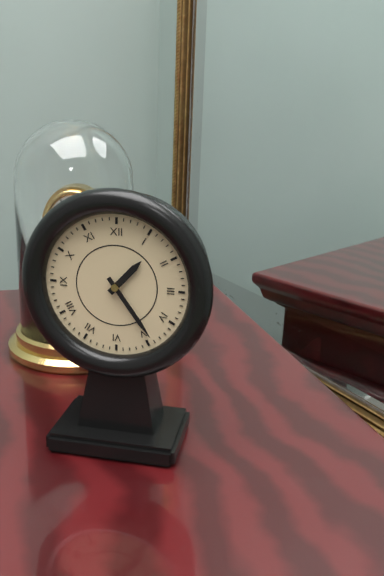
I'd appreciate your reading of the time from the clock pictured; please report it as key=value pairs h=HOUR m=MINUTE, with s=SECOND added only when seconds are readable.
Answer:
h=1 m=24
